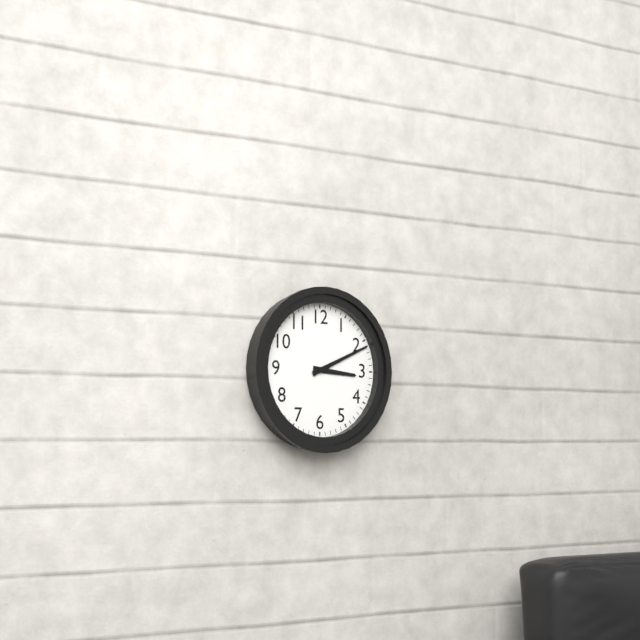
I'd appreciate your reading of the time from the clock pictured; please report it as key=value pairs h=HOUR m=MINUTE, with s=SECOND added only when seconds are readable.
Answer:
h=3 m=11
